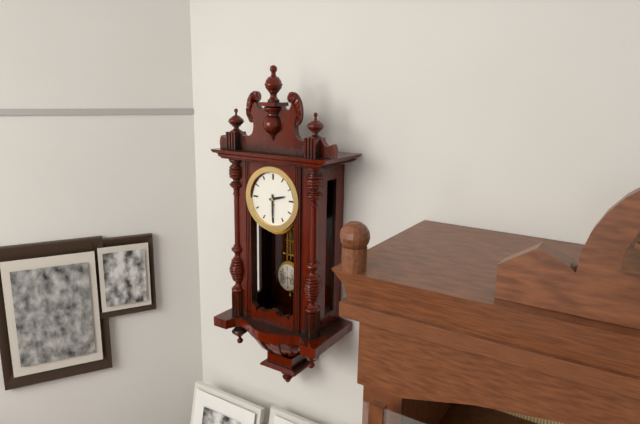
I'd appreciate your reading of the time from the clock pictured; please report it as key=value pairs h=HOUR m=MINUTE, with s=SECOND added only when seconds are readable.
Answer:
h=2 m=30
